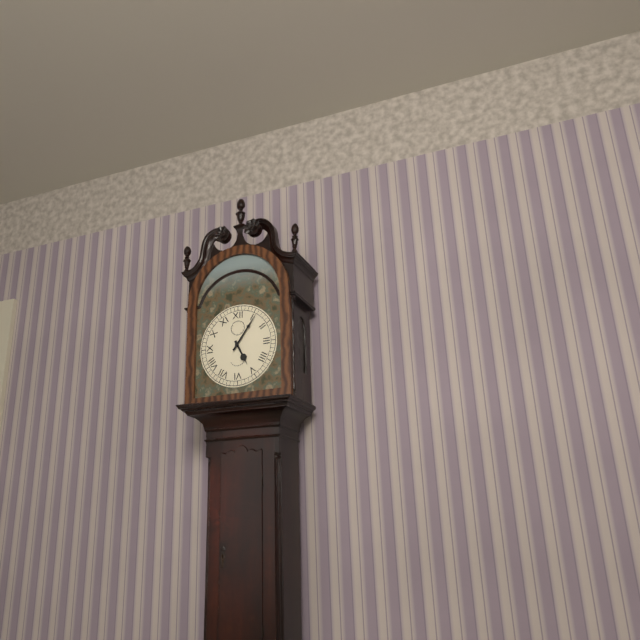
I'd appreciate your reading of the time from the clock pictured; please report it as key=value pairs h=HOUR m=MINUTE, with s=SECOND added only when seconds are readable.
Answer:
h=5 m=6
